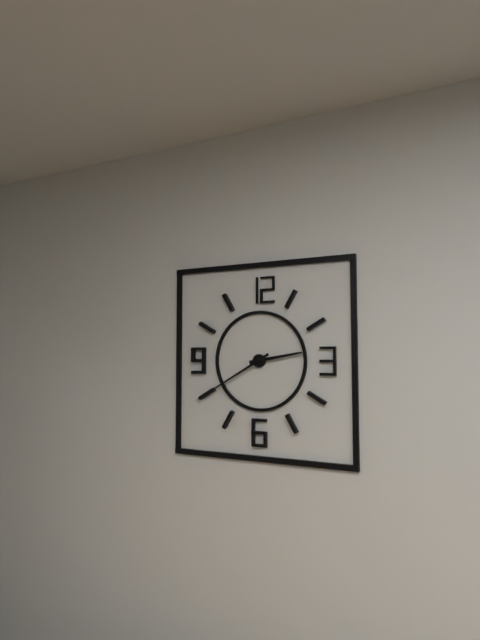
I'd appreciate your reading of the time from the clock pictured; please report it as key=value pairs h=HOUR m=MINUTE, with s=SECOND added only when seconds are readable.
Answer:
h=2 m=40
